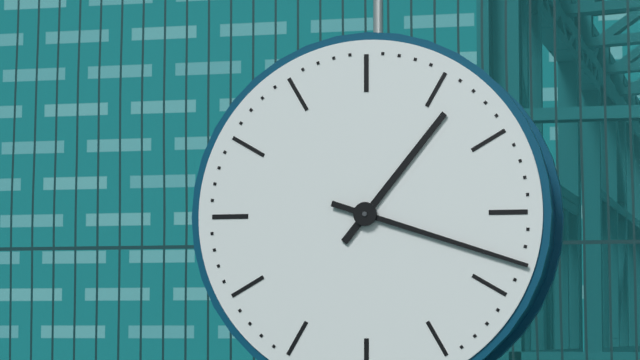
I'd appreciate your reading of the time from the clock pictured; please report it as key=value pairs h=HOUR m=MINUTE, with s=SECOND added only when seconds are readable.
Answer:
h=1 m=18
